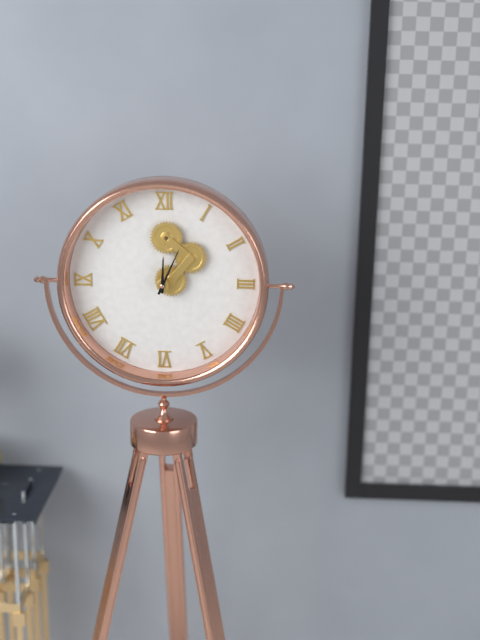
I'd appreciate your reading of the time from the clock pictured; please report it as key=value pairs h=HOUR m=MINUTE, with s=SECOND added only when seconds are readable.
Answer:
h=12 m=4
